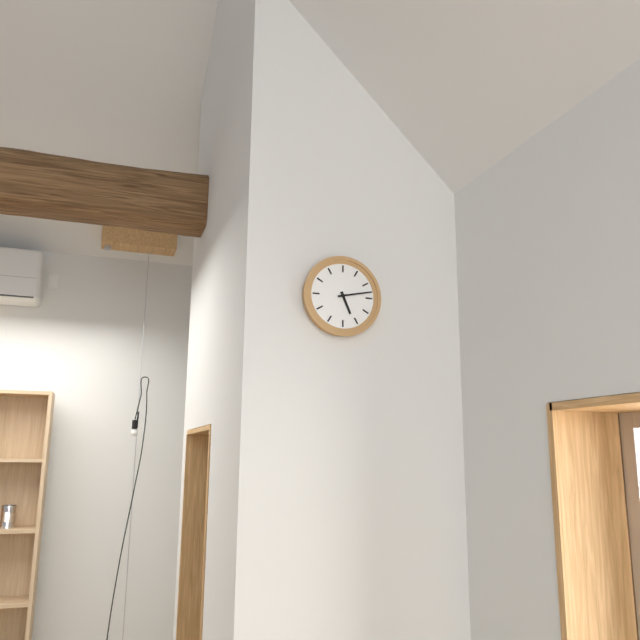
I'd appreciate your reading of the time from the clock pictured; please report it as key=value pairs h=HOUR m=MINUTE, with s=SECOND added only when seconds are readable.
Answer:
h=5 m=13
